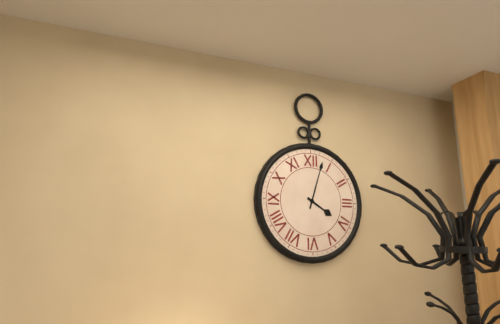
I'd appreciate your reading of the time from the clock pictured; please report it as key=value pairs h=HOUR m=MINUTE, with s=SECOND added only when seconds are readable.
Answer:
h=4 m=3
